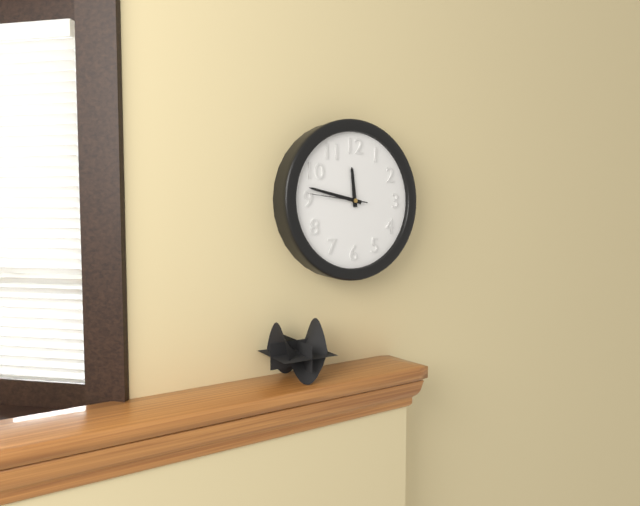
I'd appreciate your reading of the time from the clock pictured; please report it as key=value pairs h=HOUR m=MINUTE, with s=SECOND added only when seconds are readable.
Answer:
h=11 m=47
